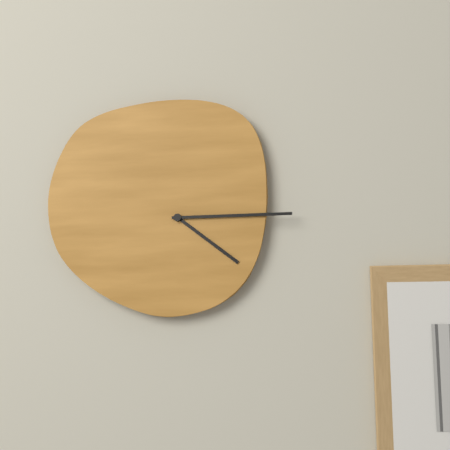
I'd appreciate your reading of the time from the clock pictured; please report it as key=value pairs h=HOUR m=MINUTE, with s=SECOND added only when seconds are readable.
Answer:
h=4 m=15
